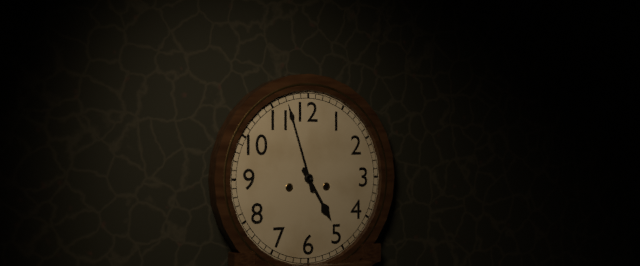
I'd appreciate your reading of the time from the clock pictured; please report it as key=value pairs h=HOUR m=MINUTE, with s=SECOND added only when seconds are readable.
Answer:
h=4 m=57
